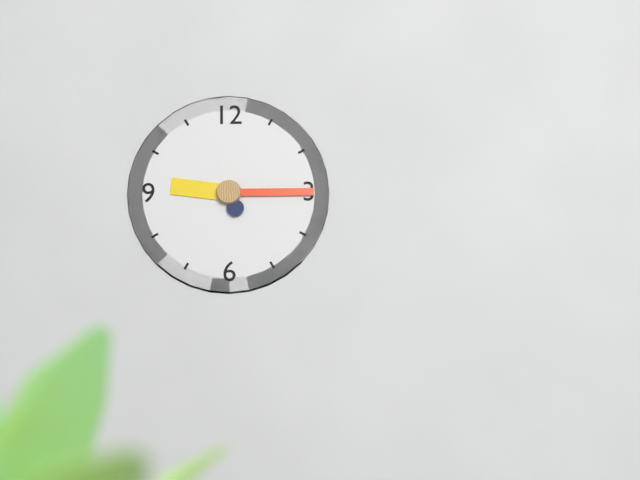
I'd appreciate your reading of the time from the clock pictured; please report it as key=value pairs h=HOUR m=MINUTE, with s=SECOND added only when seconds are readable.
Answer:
h=9 m=15
